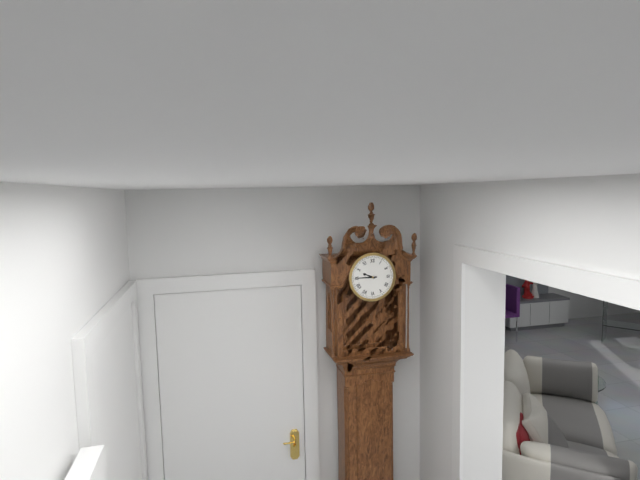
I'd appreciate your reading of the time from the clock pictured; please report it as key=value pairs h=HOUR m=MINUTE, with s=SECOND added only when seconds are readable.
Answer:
h=9 m=45
